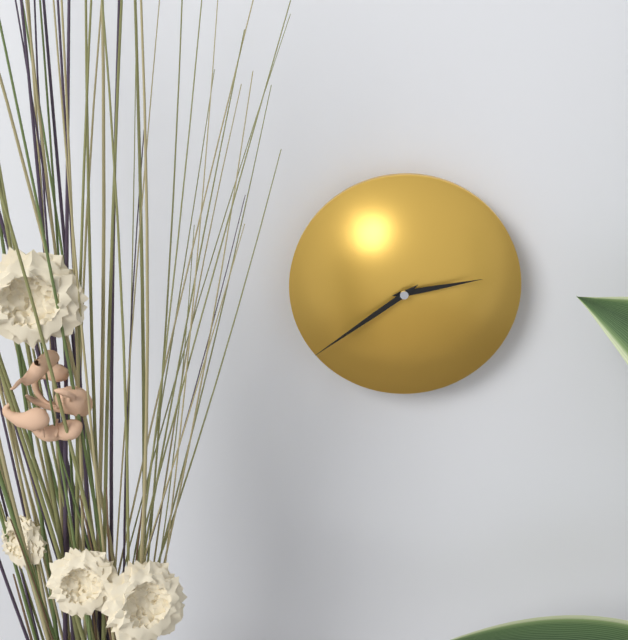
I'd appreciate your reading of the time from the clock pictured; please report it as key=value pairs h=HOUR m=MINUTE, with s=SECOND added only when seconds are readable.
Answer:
h=2 m=39
